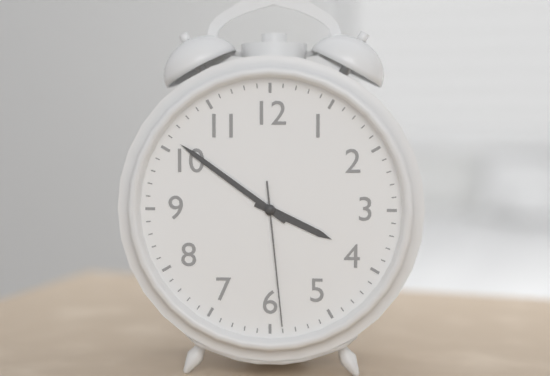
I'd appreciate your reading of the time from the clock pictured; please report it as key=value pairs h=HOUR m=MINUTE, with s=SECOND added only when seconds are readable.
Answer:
h=3 m=51 s=29
